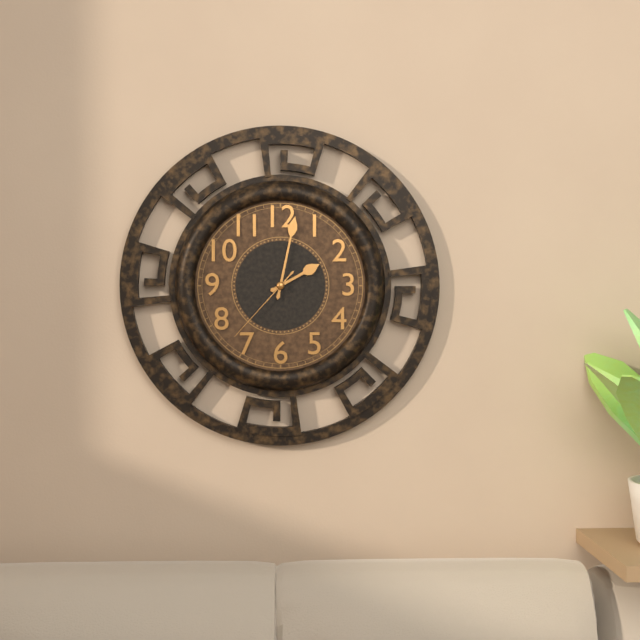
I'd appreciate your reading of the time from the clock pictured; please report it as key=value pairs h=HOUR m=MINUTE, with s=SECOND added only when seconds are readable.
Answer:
h=2 m=2 s=37
